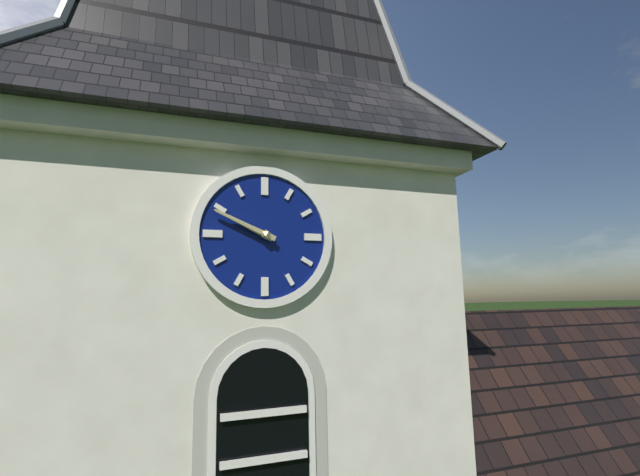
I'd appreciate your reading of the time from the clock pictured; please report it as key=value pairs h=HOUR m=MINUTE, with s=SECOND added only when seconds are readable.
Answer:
h=9 m=49
